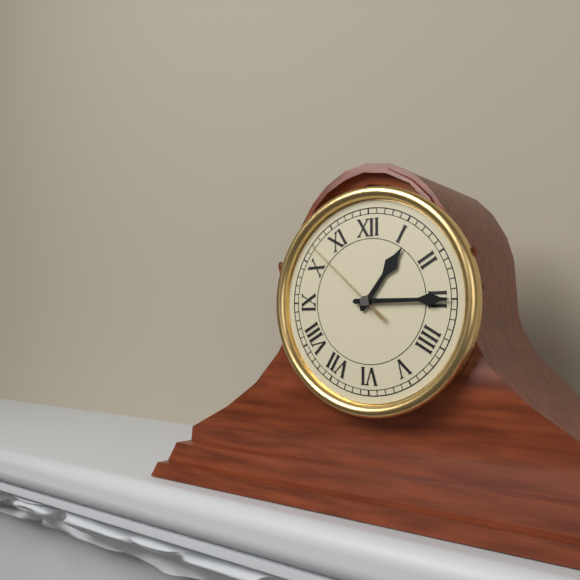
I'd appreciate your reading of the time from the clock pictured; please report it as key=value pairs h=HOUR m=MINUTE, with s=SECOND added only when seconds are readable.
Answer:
h=1 m=15 s=52
